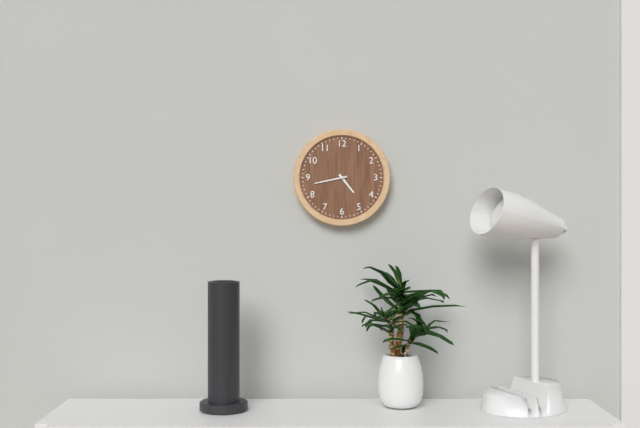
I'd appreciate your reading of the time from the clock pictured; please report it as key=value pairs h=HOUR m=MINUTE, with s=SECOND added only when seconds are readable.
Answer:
h=4 m=43
